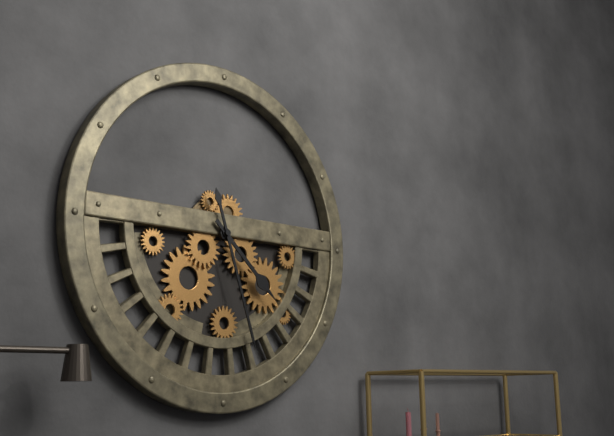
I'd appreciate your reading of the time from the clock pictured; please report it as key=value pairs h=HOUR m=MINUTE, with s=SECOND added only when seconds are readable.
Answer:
h=4 m=27
